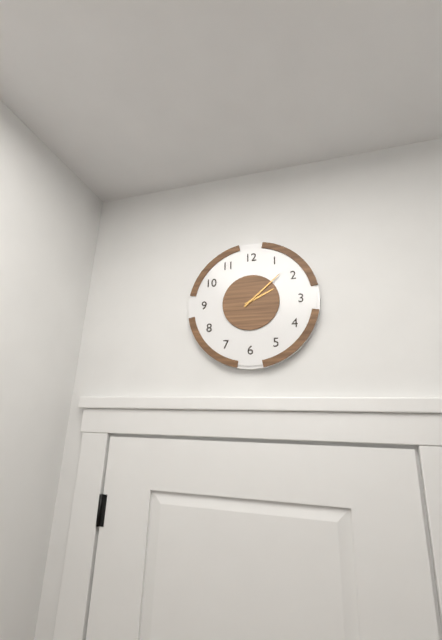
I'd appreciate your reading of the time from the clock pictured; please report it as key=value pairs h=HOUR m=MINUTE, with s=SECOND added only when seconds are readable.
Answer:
h=2 m=8
